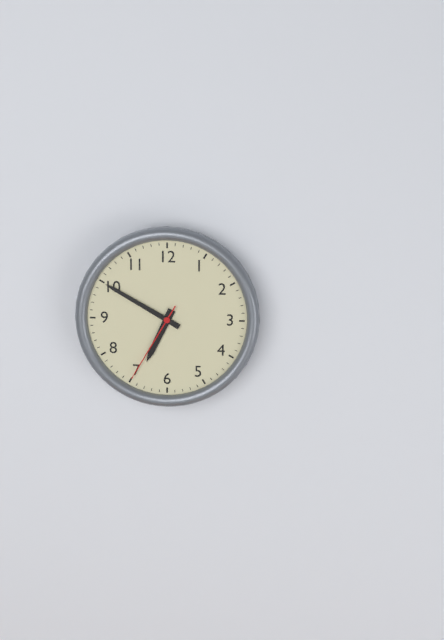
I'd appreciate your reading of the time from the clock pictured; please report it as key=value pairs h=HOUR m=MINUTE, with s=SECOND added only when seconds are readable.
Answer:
h=6 m=50 s=35
